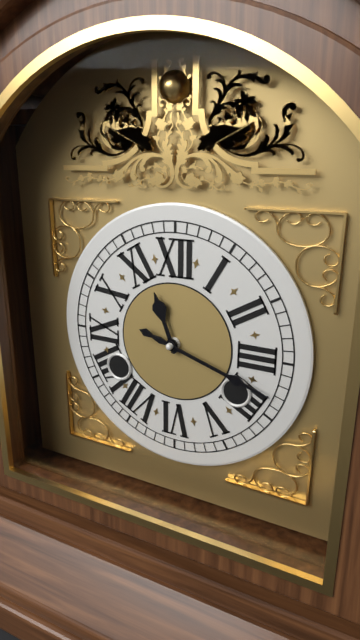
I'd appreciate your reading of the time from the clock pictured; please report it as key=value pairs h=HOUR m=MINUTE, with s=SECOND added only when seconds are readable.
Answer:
h=11 m=18
